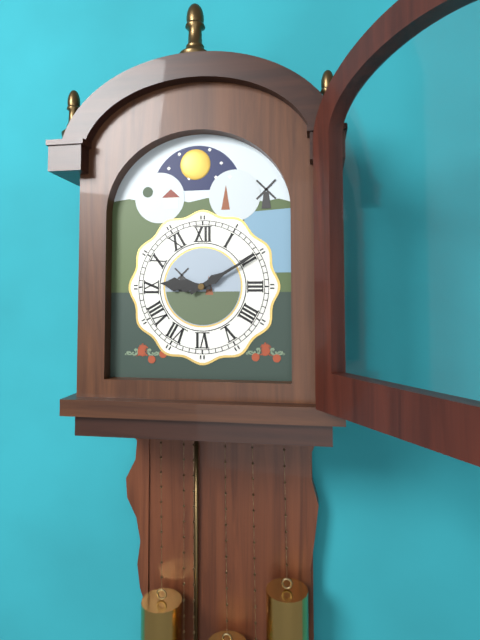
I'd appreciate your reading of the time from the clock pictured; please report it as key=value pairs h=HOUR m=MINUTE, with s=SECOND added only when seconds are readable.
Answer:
h=9 m=10
